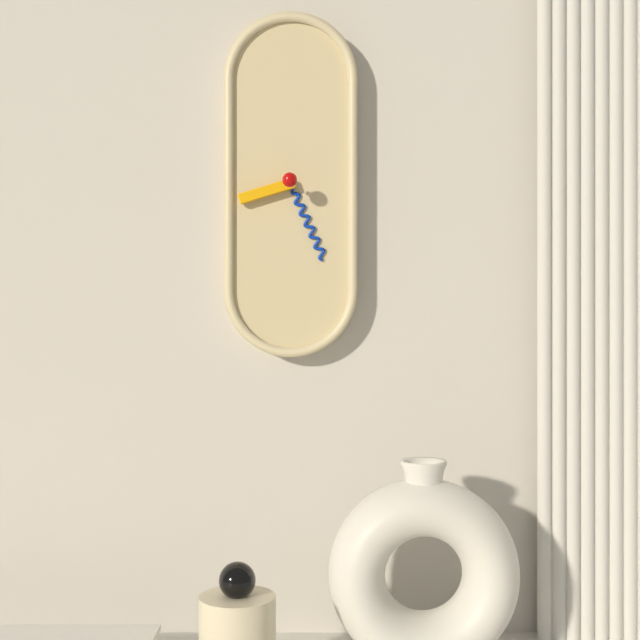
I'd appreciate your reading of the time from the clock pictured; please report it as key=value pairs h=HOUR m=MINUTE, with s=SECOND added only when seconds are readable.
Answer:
h=8 m=26
